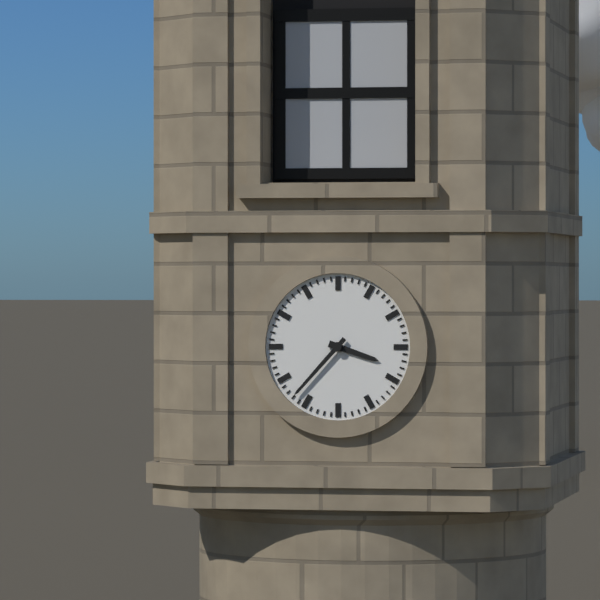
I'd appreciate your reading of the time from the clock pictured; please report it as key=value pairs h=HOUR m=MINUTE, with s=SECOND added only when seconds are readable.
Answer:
h=3 m=37
